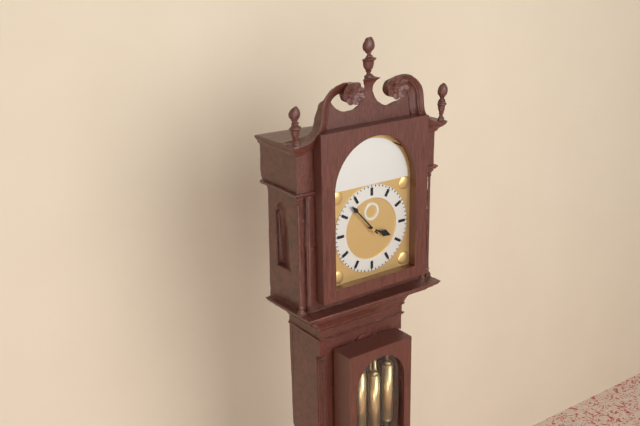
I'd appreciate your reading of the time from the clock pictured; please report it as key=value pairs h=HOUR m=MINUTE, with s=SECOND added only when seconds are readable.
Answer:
h=3 m=53
